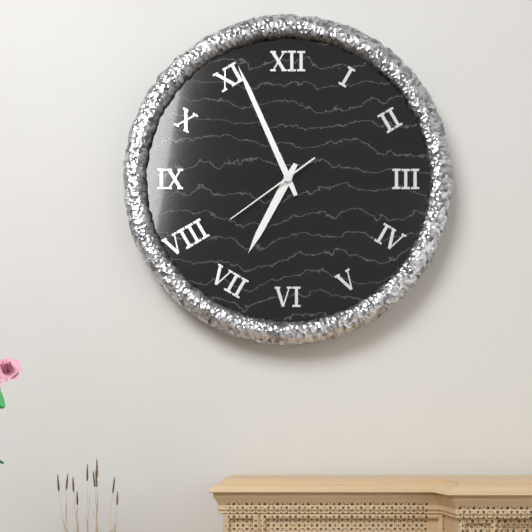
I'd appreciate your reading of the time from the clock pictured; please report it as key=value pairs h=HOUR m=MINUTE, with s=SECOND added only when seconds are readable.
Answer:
h=6 m=56 s=39
